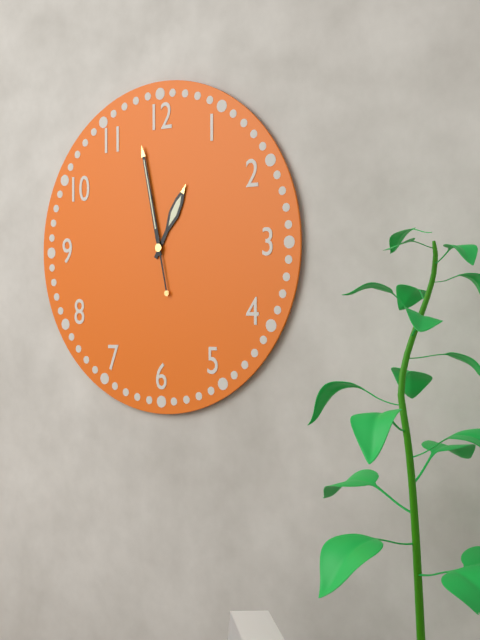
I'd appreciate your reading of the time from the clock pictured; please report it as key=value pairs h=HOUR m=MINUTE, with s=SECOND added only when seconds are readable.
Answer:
h=12 m=58
